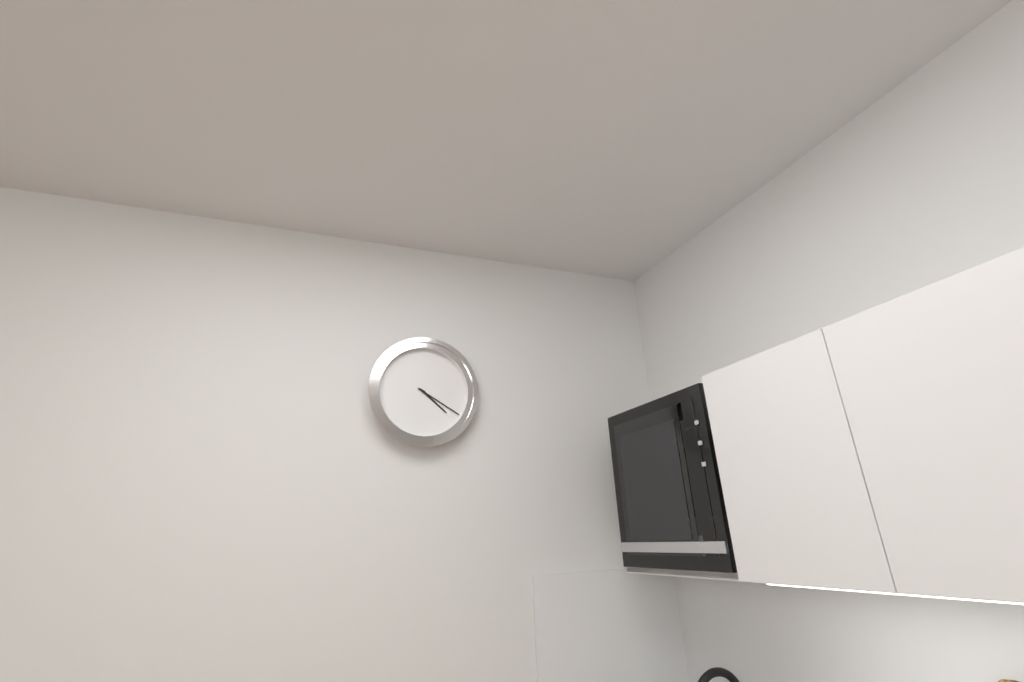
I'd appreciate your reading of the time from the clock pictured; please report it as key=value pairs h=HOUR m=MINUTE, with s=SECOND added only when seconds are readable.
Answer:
h=4 m=20
